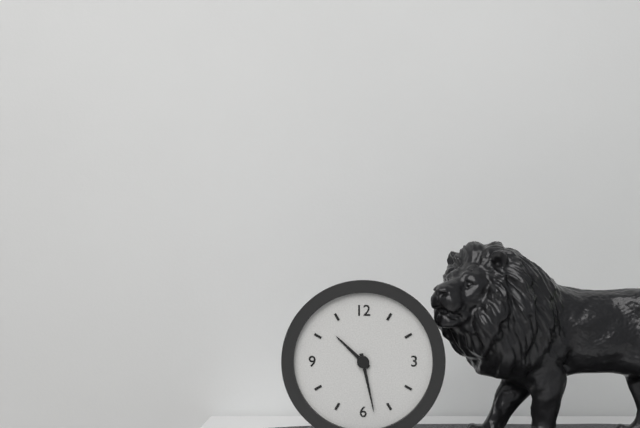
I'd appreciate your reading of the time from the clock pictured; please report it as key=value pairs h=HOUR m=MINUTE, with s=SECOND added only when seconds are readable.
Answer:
h=10 m=28
